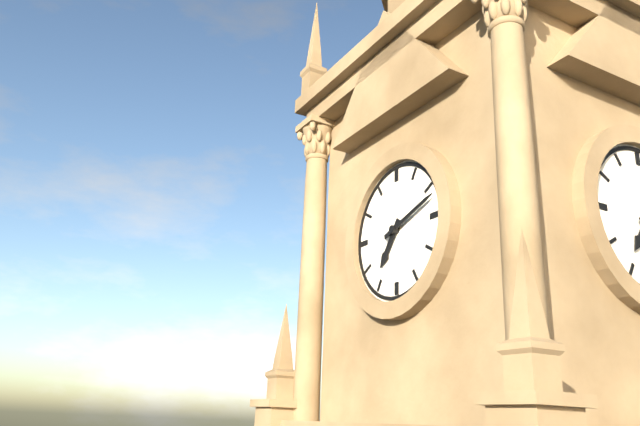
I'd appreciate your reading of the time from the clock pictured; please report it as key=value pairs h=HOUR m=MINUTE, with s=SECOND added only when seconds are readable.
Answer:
h=7 m=12
